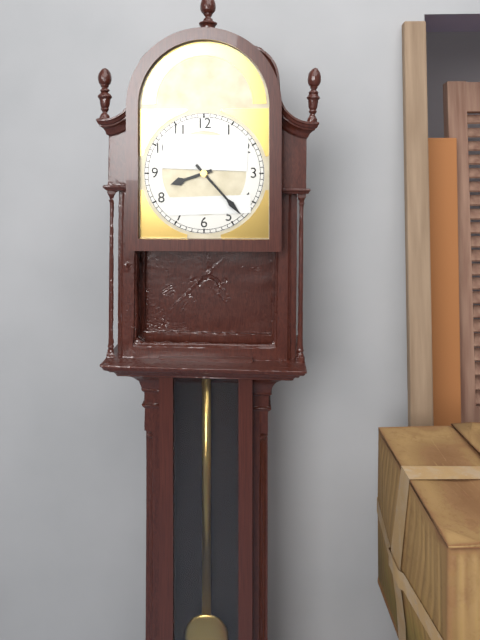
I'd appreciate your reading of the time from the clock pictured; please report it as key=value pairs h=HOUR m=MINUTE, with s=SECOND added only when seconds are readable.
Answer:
h=8 m=23
